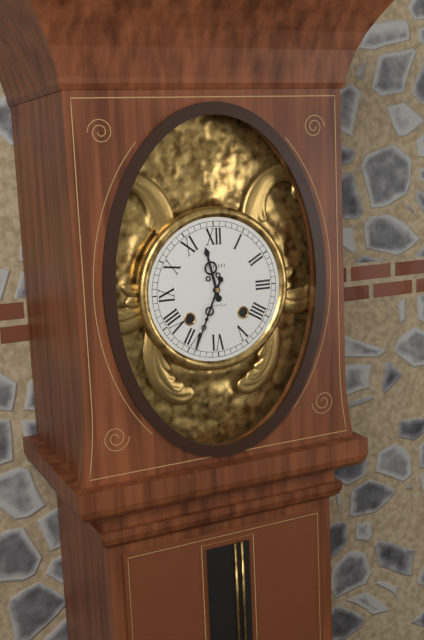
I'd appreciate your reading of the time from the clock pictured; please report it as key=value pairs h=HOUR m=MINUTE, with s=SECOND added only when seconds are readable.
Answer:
h=11 m=34
